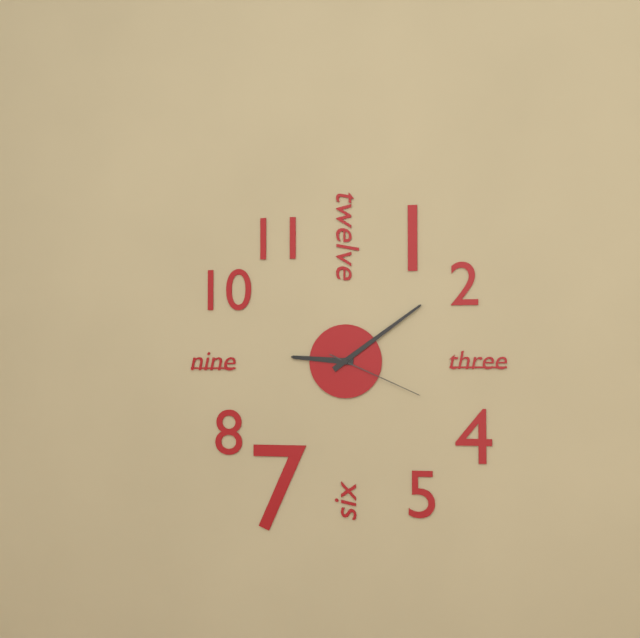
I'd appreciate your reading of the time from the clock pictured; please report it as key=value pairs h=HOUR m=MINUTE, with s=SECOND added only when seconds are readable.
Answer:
h=9 m=9 s=19
